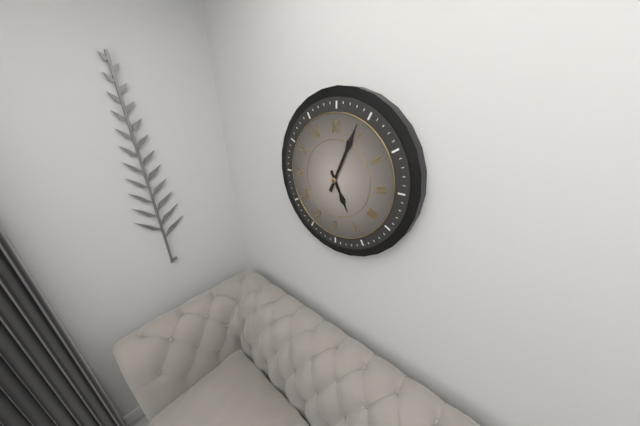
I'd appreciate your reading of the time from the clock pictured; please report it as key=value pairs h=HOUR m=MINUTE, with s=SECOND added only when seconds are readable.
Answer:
h=5 m=4
